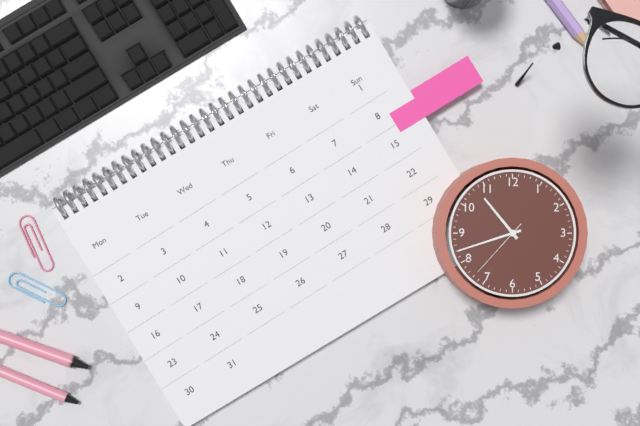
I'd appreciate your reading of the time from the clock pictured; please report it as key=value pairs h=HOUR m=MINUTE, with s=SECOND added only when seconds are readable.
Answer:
h=10 m=42 s=37
